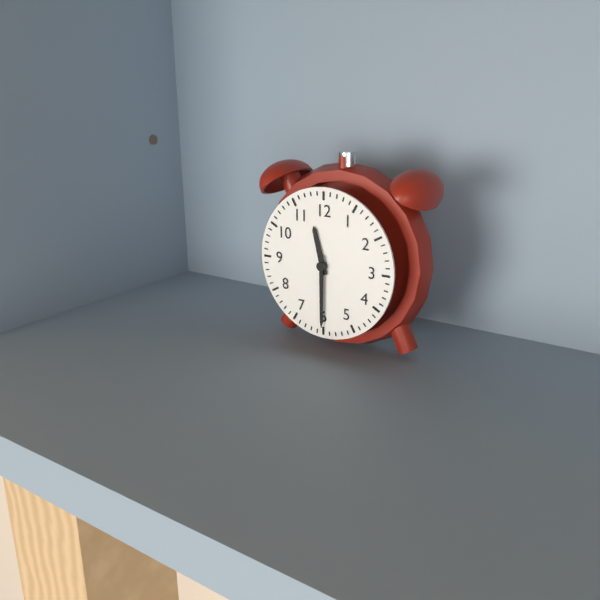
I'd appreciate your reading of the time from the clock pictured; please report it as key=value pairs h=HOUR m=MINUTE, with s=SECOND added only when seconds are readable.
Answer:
h=11 m=30
